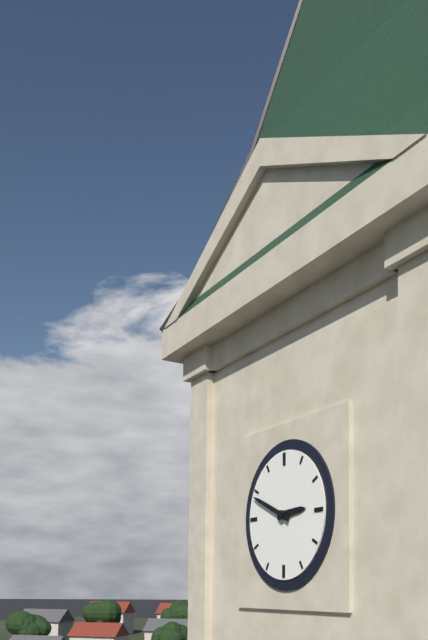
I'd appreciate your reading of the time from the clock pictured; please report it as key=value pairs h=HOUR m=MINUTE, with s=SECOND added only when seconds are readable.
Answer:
h=2 m=49
